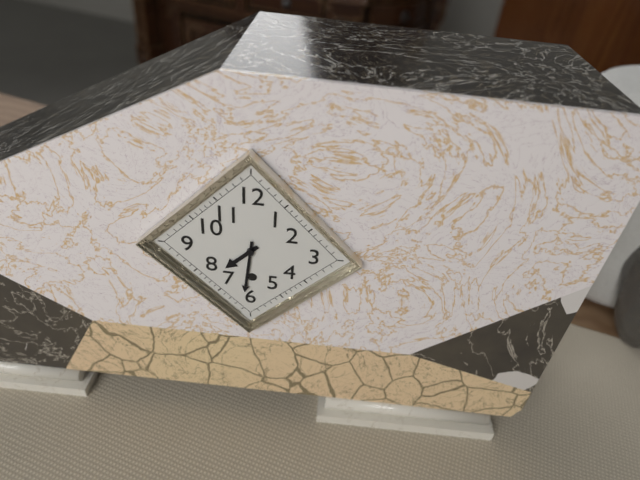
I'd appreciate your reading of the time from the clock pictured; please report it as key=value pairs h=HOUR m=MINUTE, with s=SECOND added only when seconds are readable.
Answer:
h=7 m=31
